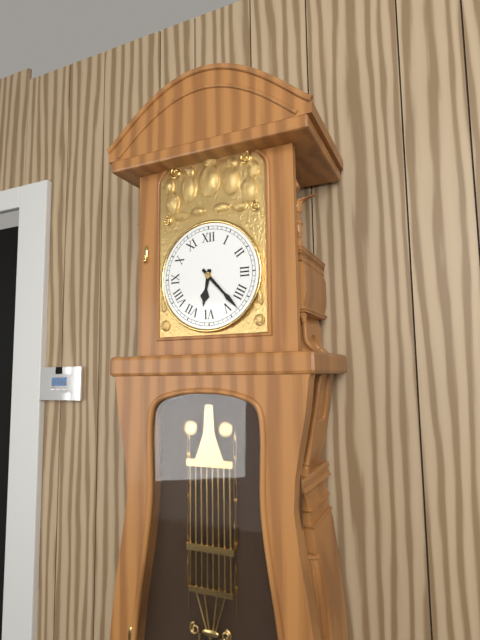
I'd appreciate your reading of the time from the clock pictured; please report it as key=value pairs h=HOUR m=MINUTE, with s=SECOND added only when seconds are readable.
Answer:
h=6 m=23
